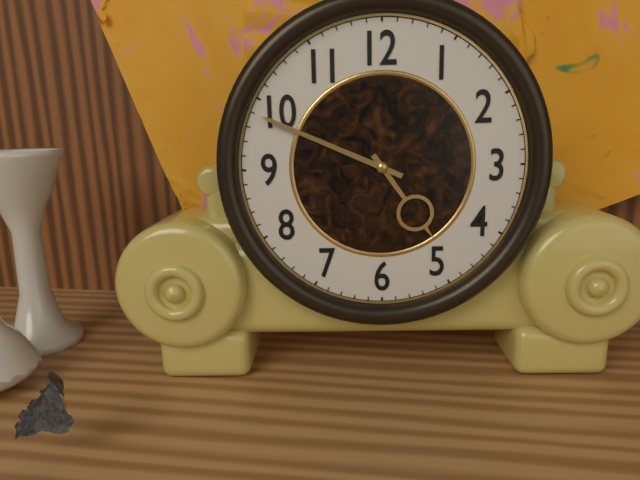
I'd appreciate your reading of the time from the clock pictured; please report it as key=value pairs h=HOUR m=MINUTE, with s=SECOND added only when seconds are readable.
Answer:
h=4 m=49
